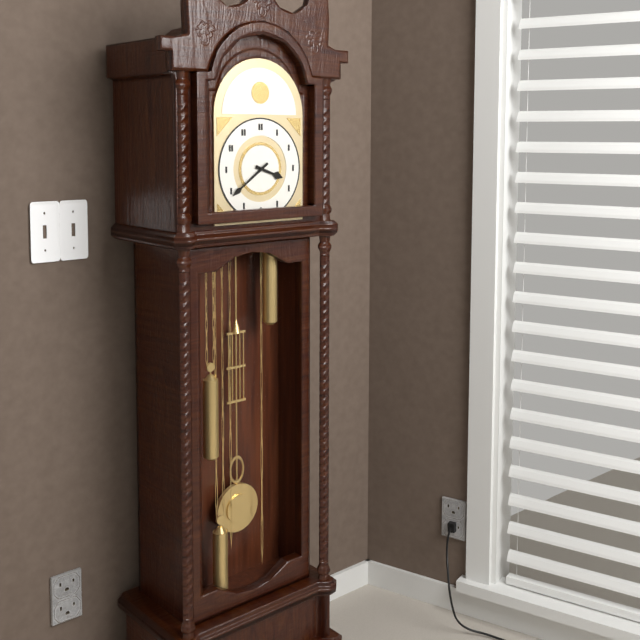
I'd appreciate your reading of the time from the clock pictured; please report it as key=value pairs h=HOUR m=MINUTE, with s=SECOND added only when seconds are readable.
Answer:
h=3 m=39
